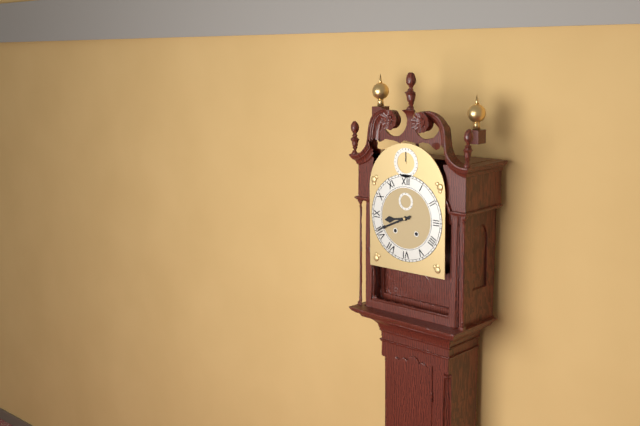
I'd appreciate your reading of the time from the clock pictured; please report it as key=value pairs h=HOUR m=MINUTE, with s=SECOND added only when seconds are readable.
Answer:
h=8 m=41
